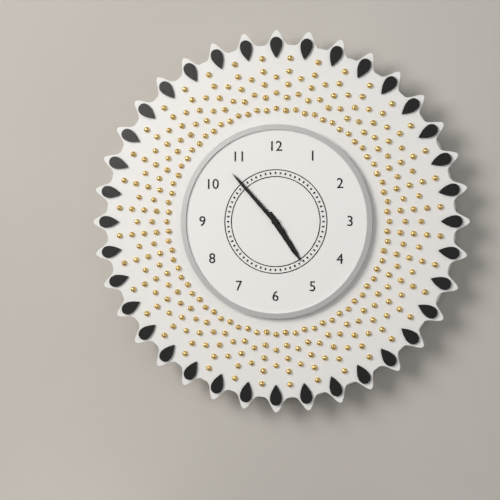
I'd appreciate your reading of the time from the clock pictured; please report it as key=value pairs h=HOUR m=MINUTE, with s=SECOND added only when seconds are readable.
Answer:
h=4 m=53
